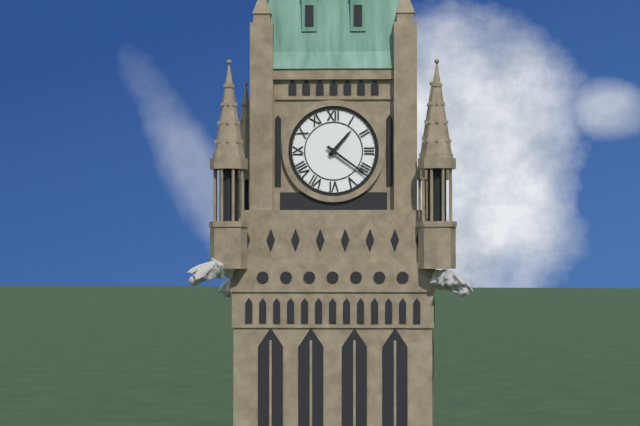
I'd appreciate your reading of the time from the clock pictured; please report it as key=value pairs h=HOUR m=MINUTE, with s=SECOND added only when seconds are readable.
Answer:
h=1 m=21
